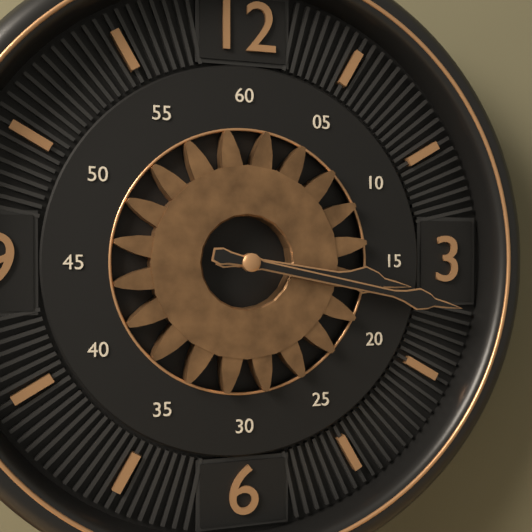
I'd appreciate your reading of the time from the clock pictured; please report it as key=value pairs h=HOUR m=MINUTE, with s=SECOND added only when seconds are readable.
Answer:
h=3 m=17
